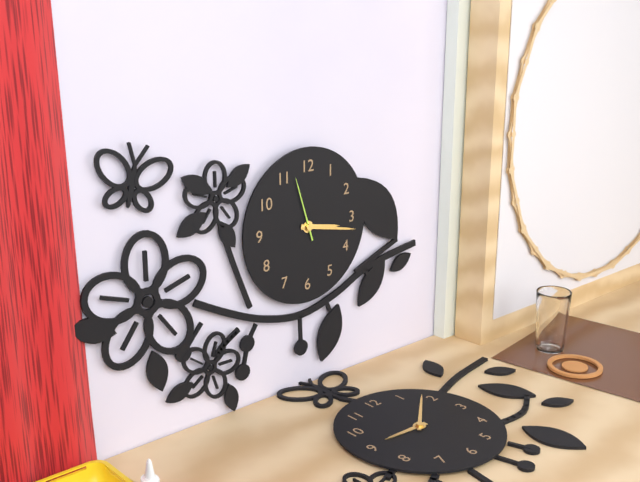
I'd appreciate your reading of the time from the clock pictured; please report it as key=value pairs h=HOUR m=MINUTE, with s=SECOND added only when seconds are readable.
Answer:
h=3 m=17 s=57
